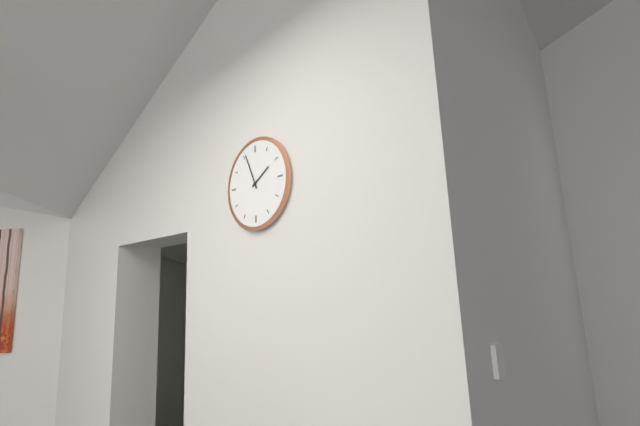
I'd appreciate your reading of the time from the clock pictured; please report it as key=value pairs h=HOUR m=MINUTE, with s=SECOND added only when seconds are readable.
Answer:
h=1 m=56
